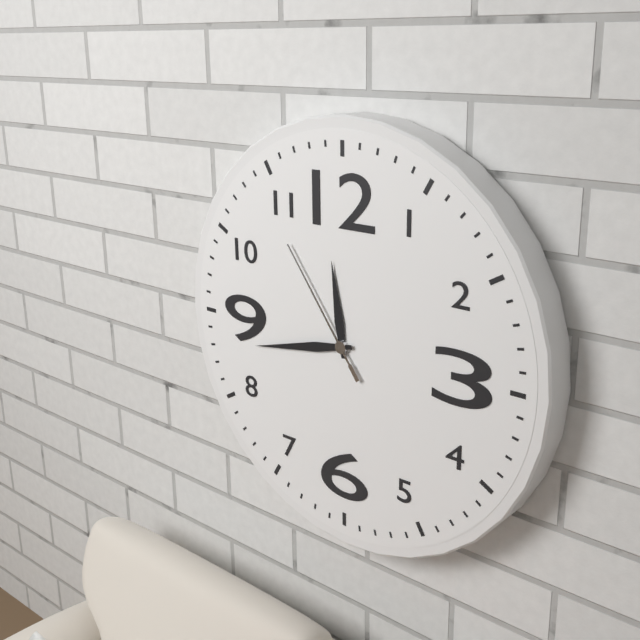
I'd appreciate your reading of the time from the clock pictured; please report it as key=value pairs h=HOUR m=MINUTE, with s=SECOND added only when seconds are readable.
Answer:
h=11 m=43 s=54
